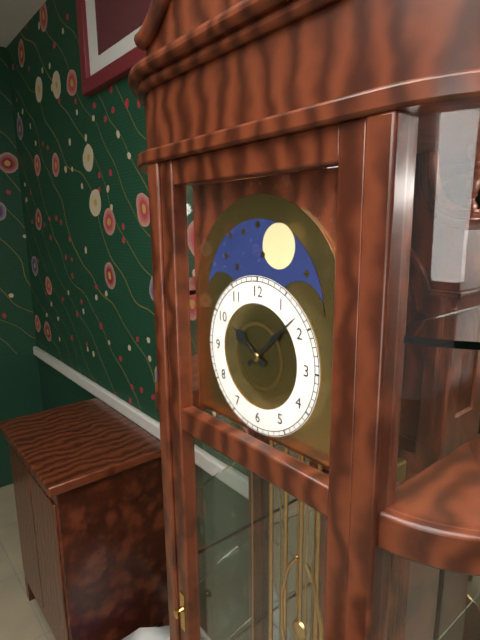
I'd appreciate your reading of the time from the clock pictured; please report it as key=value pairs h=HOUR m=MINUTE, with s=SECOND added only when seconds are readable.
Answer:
h=10 m=8
